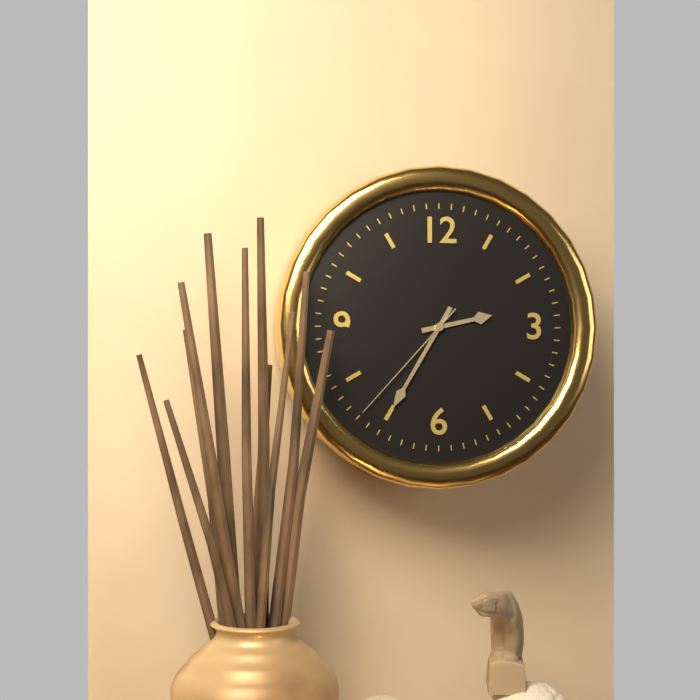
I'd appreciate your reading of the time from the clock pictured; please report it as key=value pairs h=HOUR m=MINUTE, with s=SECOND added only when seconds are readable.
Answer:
h=2 m=35 s=37
